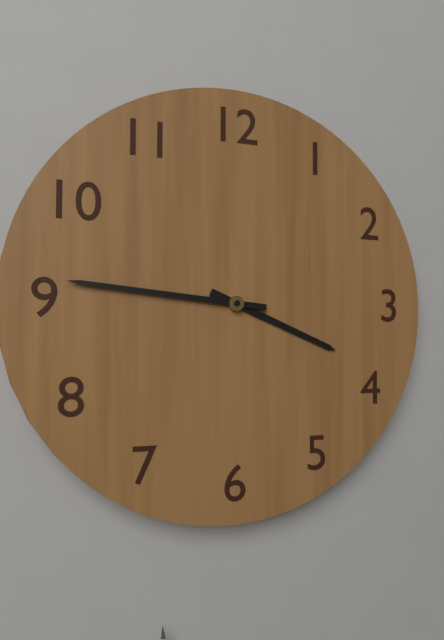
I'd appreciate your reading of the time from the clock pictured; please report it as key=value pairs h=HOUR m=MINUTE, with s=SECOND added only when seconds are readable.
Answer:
h=3 m=46
